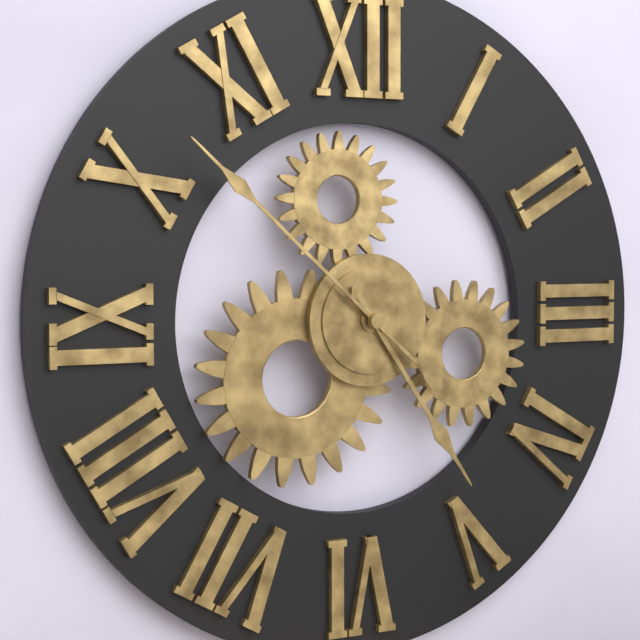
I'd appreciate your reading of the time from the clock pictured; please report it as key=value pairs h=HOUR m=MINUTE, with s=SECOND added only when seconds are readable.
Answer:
h=4 m=52
